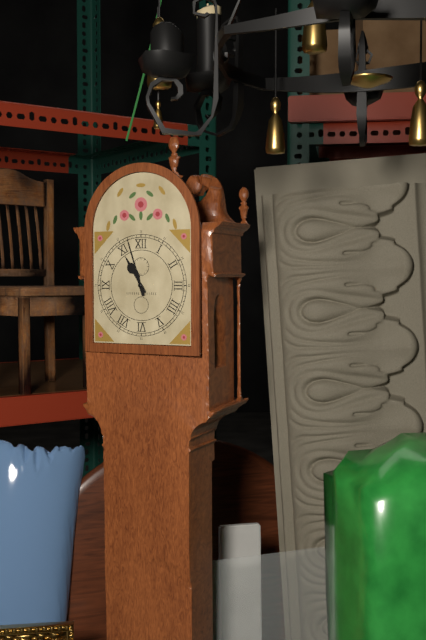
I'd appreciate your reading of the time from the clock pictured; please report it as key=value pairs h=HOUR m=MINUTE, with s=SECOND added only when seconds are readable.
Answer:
h=10 m=57
